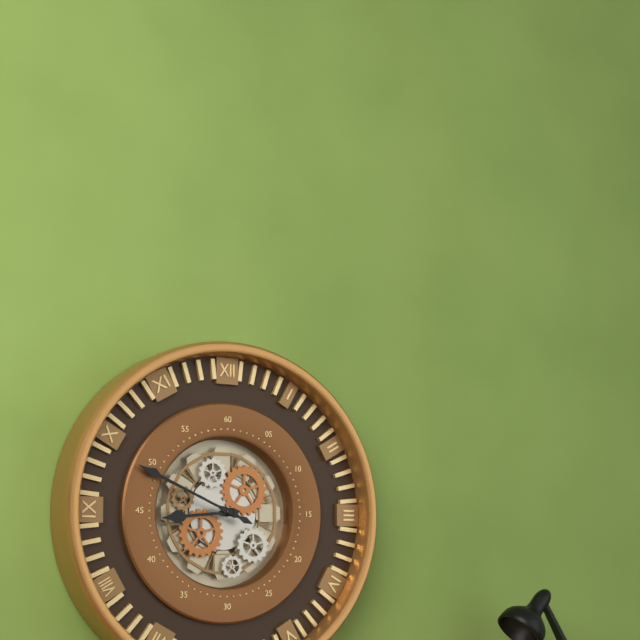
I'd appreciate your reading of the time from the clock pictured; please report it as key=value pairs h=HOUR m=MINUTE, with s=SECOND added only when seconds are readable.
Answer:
h=8 m=49
